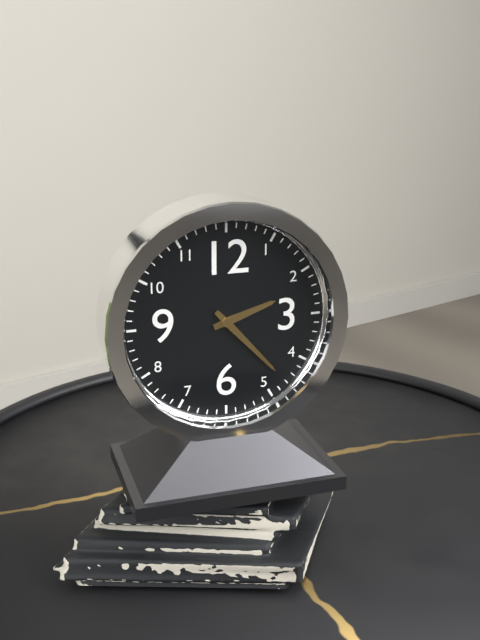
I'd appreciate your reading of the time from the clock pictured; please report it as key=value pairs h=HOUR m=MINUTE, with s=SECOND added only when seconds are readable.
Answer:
h=2 m=23
